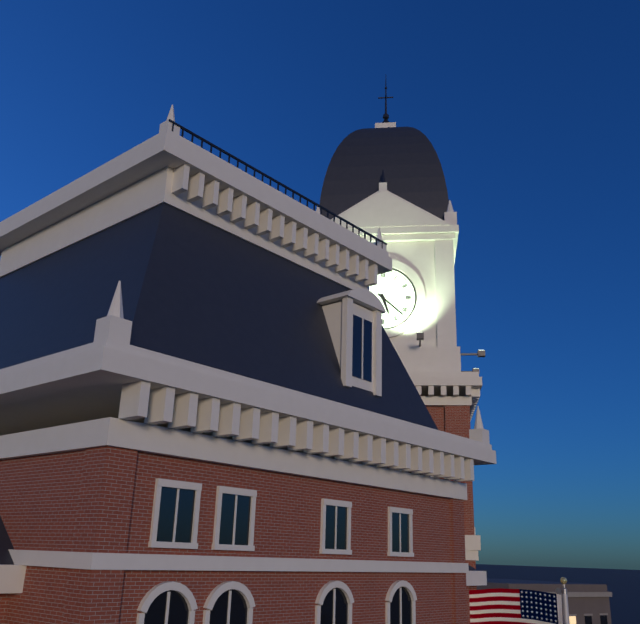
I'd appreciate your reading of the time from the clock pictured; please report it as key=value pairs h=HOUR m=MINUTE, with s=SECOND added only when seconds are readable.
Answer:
h=5 m=22
